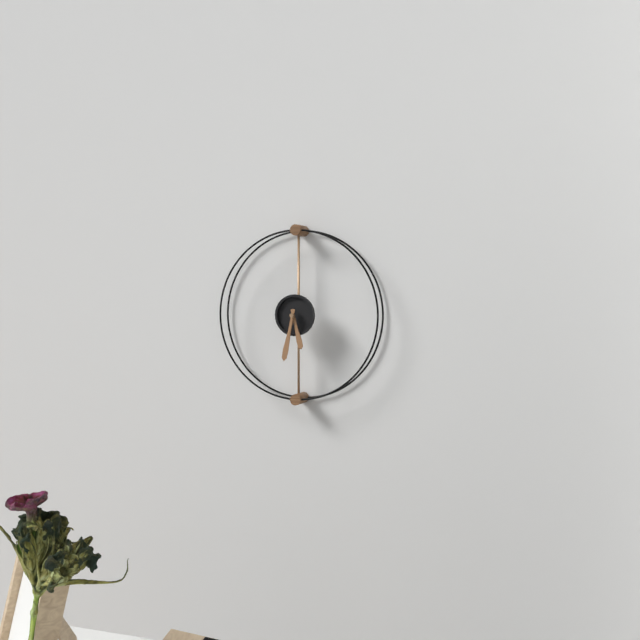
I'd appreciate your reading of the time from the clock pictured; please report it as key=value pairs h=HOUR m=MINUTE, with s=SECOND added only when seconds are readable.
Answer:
h=5 m=32
